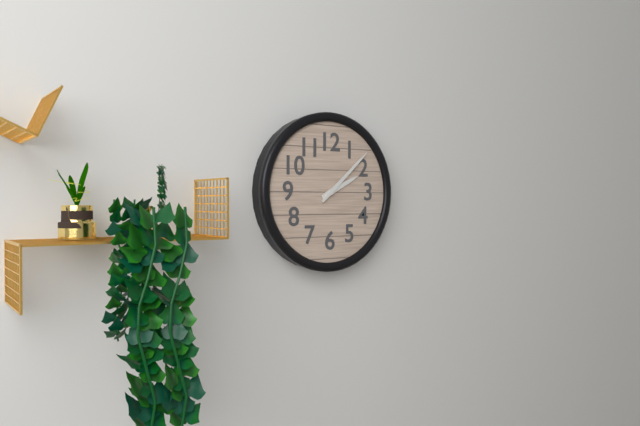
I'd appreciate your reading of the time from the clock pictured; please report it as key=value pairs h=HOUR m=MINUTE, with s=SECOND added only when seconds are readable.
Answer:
h=2 m=8
